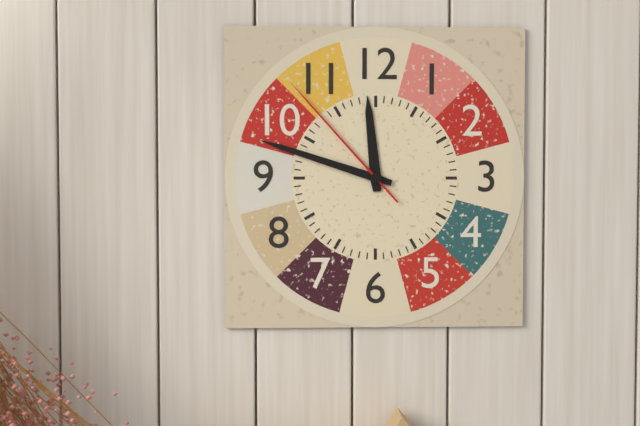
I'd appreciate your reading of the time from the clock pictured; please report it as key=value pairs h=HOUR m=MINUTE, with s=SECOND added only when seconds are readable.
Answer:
h=11 m=48 s=53
